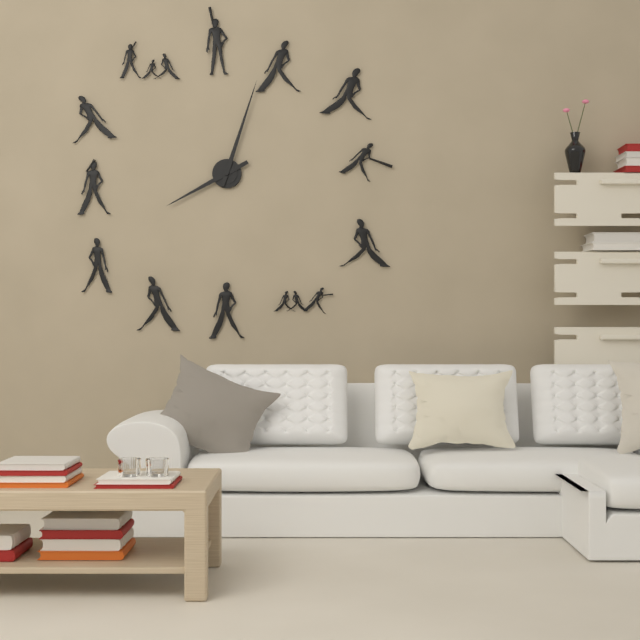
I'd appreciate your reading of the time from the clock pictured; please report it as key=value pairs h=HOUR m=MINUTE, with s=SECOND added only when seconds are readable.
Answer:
h=8 m=3
